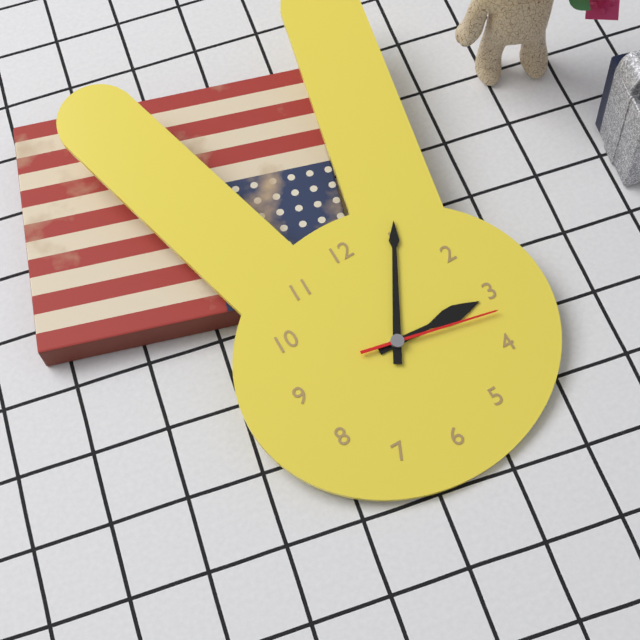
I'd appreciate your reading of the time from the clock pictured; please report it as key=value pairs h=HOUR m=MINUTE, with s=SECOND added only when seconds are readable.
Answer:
h=3 m=5 s=17
